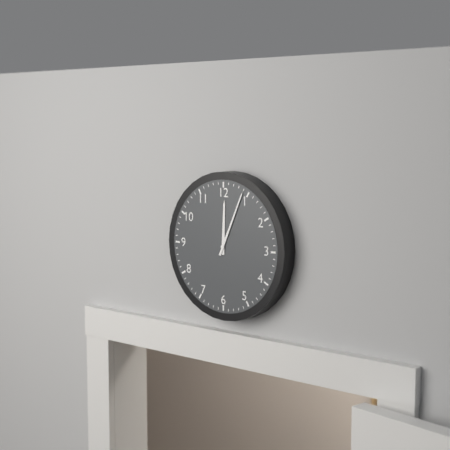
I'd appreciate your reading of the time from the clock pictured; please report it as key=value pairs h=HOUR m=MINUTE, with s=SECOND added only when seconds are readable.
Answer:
h=12 m=4
